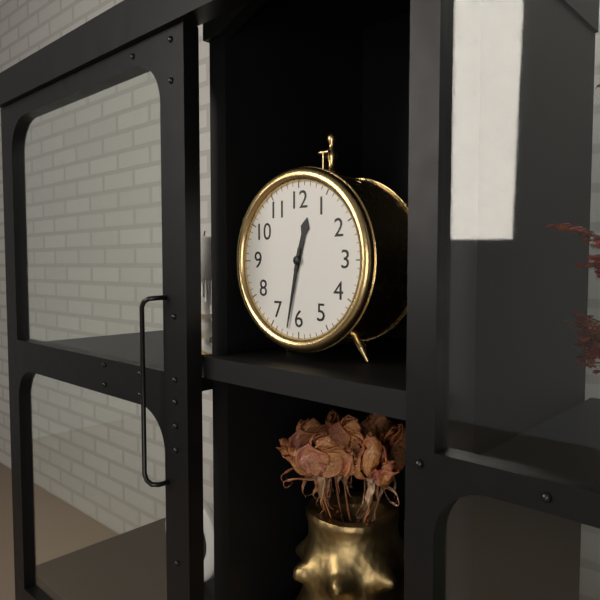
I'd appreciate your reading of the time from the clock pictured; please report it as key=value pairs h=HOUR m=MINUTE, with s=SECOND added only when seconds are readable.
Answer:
h=12 m=32
